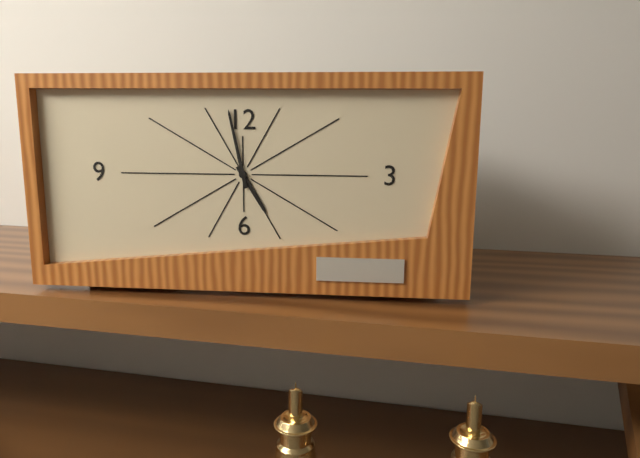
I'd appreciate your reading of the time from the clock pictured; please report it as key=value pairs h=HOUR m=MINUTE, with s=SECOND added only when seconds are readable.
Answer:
h=4 m=58
